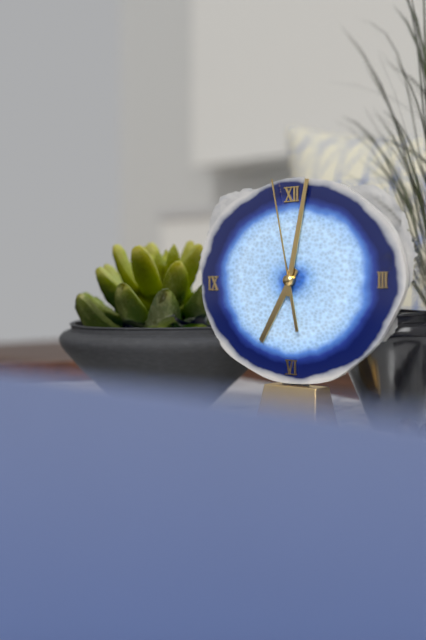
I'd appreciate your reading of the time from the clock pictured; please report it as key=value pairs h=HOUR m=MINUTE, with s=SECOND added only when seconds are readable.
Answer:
h=7 m=2 s=58
